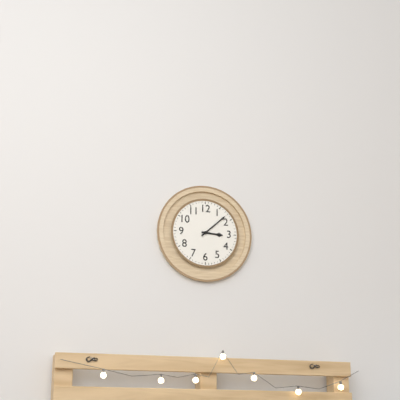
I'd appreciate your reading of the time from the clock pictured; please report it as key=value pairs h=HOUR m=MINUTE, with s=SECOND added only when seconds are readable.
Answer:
h=3 m=8
